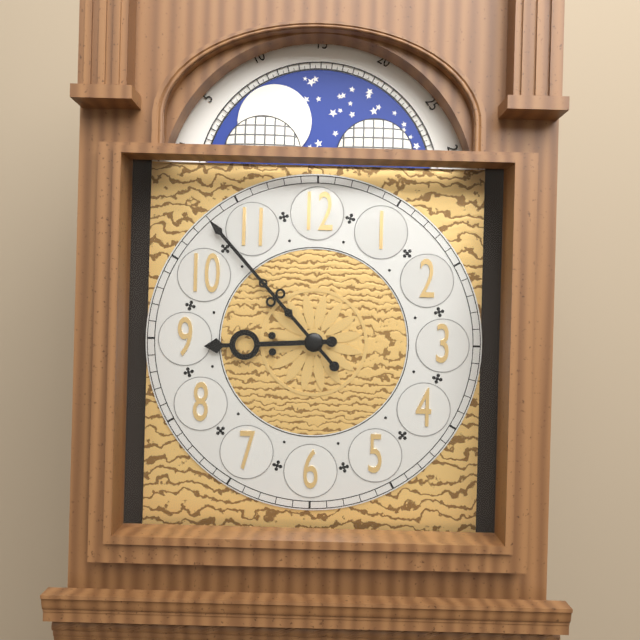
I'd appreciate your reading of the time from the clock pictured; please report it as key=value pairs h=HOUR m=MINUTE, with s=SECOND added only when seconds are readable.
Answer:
h=8 m=53
